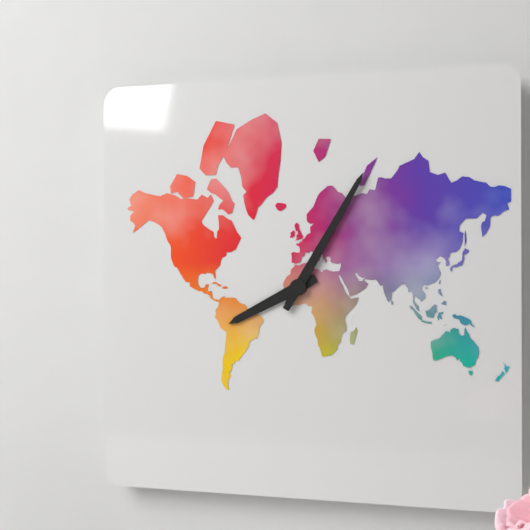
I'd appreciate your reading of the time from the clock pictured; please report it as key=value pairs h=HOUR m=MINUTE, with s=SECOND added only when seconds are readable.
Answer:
h=8 m=5
